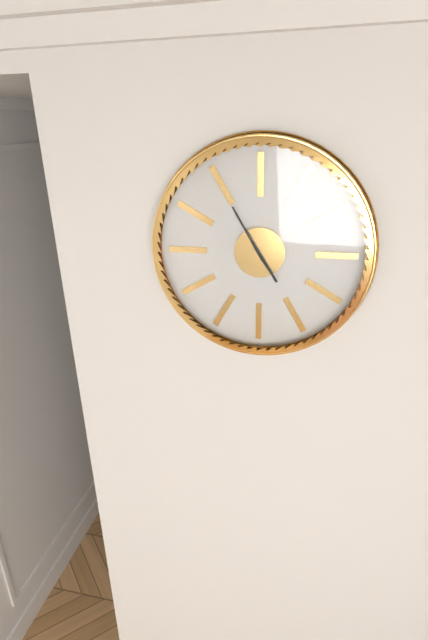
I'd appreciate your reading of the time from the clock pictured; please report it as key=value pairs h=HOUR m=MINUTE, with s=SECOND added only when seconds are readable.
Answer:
h=4 m=55
